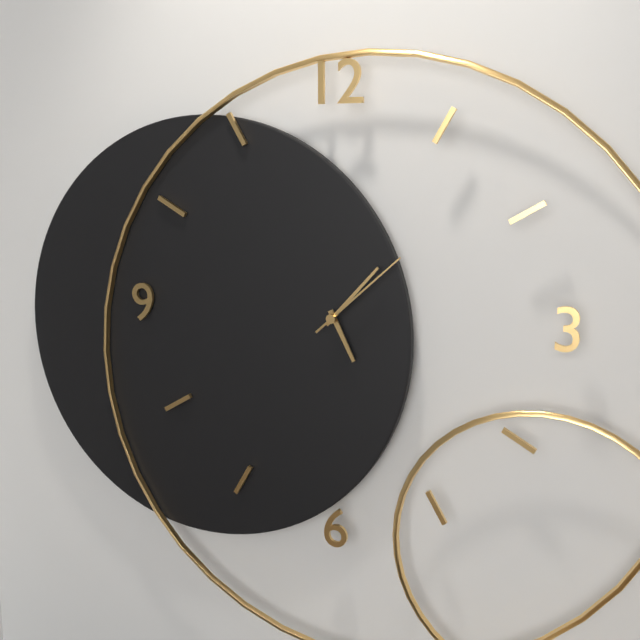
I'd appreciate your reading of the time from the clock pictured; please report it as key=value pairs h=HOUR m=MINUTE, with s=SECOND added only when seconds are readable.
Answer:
h=5 m=7 s=8
